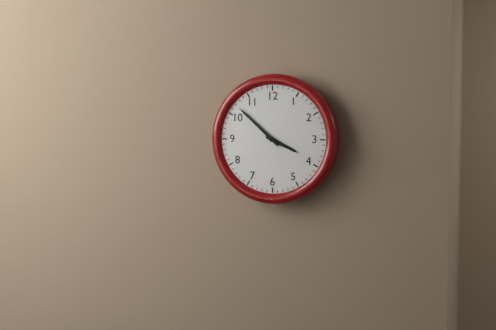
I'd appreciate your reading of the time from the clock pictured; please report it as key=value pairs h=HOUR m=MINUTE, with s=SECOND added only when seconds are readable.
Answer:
h=3 m=52
